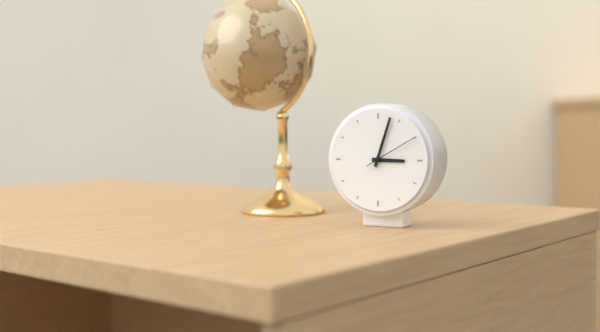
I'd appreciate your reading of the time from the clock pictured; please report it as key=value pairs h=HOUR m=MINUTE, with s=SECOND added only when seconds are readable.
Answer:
h=3 m=3 s=10
